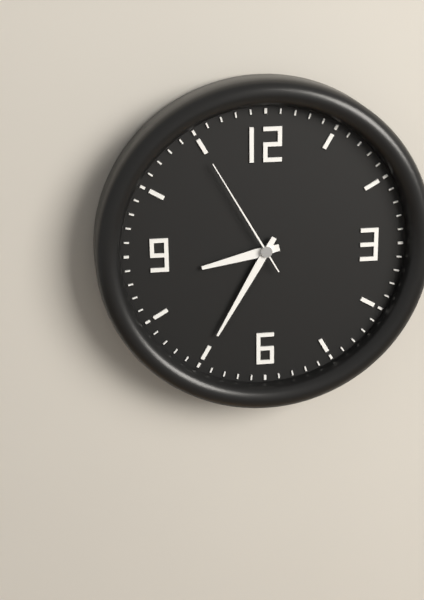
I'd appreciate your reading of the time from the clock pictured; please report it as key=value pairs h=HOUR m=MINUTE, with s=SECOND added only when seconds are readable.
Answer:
h=8 m=35 s=55
